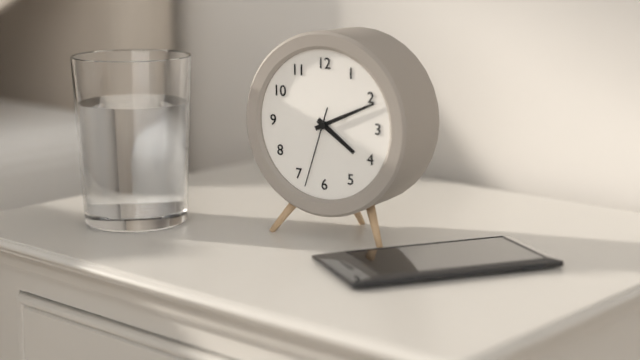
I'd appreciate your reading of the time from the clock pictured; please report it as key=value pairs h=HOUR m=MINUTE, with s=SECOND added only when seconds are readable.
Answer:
h=4 m=11 s=33
